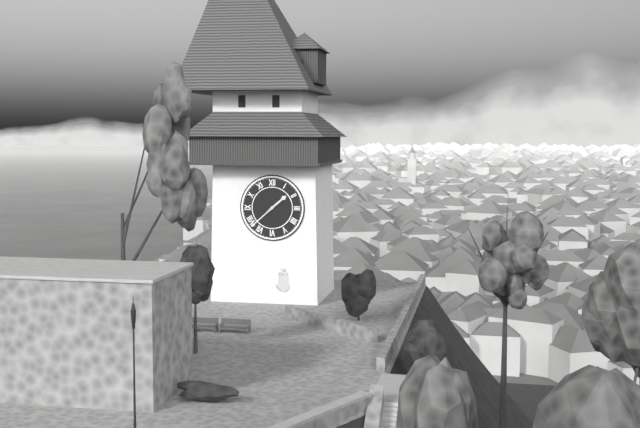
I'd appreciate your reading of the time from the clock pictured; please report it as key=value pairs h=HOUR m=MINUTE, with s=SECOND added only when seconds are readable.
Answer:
h=1 m=38
